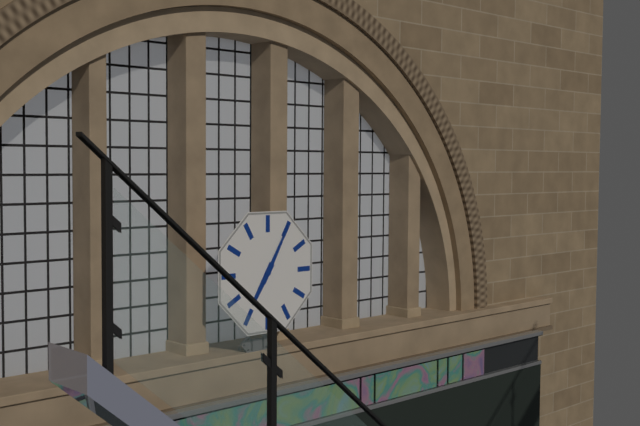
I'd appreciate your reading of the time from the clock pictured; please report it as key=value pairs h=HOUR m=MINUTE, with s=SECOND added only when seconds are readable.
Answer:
h=7 m=5
